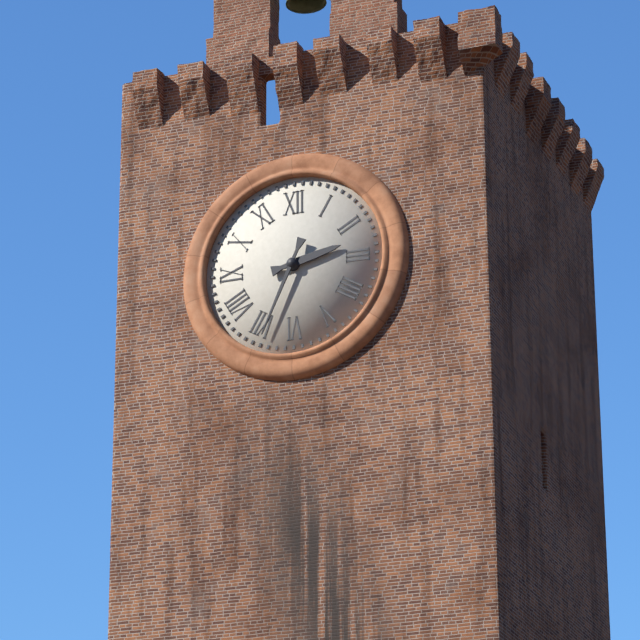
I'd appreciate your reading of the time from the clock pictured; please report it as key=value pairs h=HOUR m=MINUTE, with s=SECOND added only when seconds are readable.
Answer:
h=2 m=34
